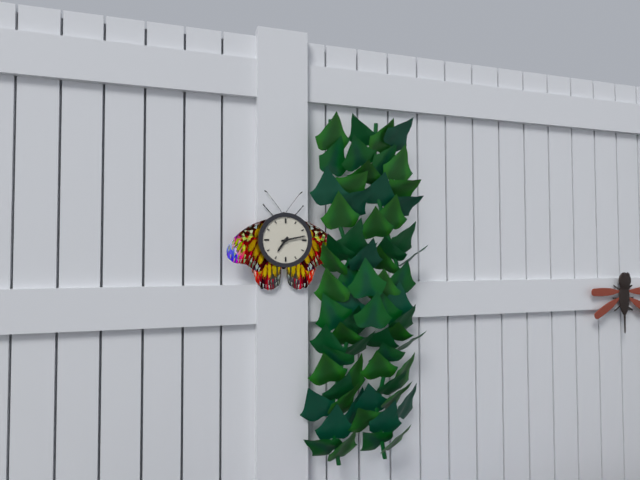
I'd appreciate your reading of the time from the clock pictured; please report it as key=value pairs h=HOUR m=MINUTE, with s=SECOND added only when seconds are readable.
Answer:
h=7 m=13
